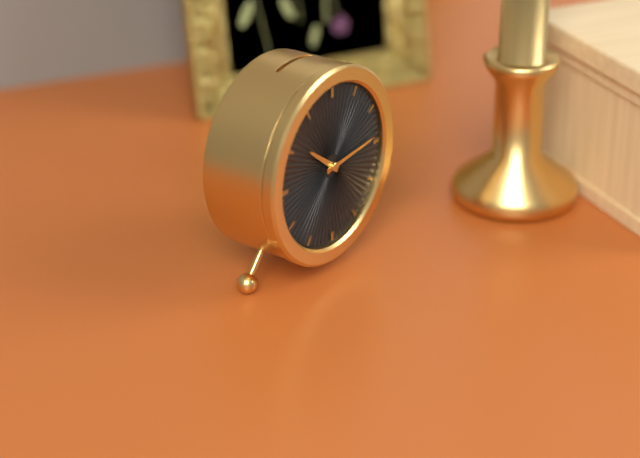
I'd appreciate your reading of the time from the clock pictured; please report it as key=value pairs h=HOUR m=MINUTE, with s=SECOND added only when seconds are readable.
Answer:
h=10 m=14
